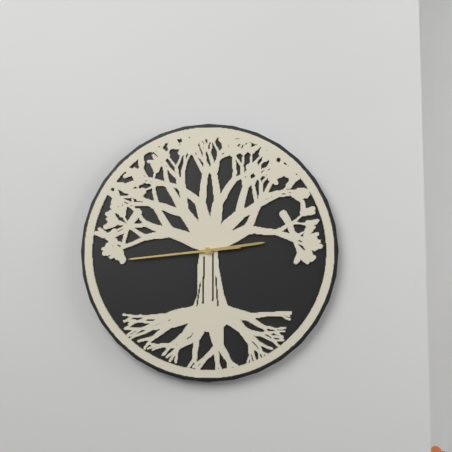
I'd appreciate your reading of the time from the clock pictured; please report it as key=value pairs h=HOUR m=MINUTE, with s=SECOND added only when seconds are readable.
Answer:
h=2 m=44
